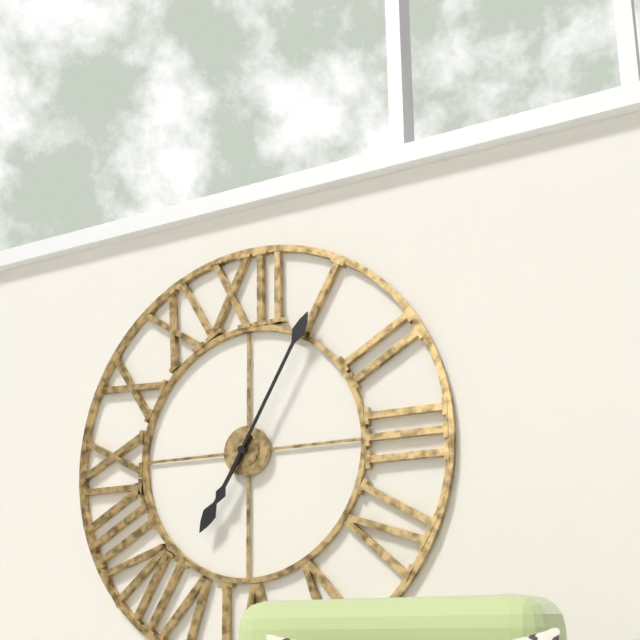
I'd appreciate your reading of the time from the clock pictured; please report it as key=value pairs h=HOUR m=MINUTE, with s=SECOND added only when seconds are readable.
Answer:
h=7 m=5
